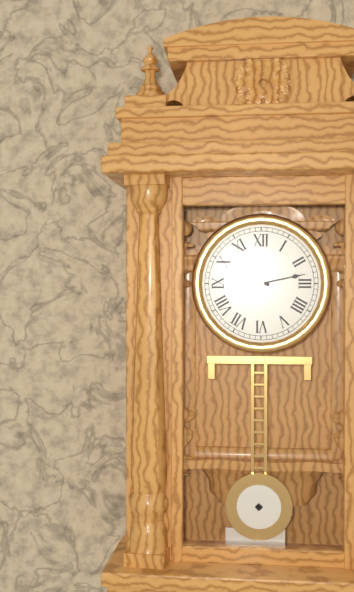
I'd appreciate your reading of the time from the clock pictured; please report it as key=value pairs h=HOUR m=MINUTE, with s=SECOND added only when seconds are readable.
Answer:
h=9 m=13
